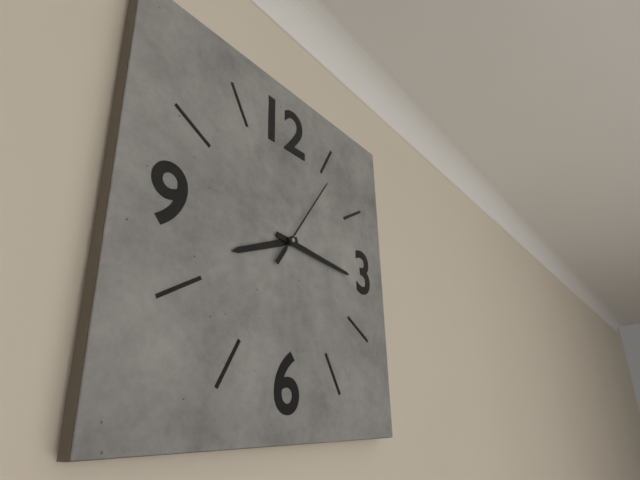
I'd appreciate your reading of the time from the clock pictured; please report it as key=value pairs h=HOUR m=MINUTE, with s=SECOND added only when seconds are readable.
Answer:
h=8 m=16 s=6
